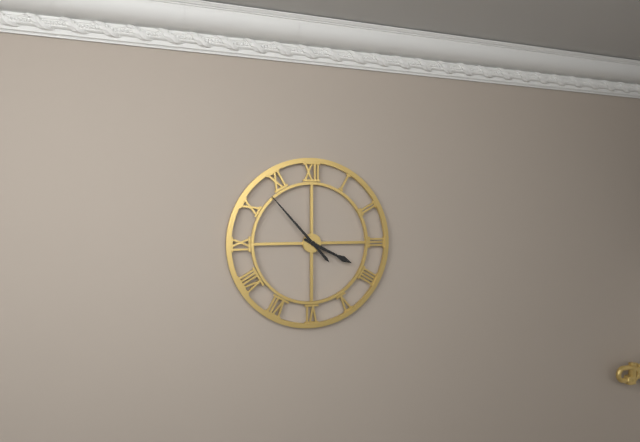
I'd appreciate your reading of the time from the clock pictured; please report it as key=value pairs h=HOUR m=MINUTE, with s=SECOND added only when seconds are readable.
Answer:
h=3 m=53
